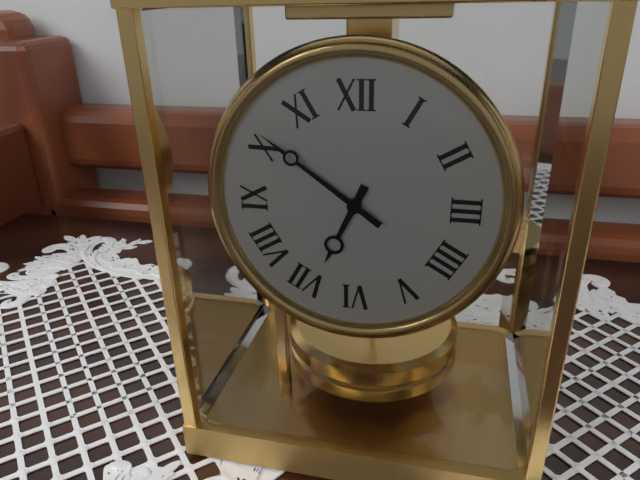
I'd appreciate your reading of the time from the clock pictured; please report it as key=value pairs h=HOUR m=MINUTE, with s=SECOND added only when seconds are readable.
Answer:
h=6 m=51
